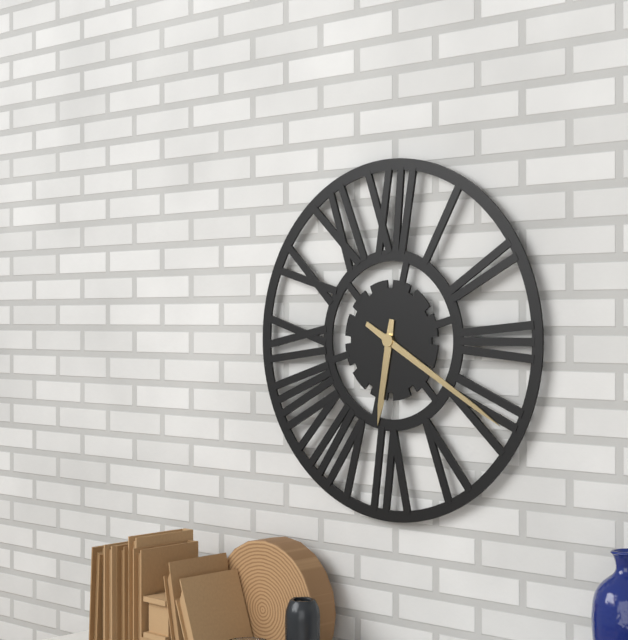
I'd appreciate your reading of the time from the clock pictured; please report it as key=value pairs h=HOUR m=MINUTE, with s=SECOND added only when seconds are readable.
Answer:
h=6 m=20
